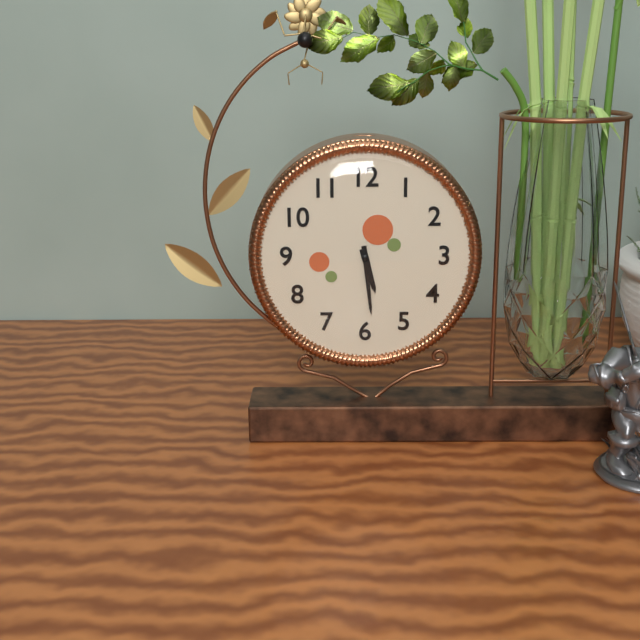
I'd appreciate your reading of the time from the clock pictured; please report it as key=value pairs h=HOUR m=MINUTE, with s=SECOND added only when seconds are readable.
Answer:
h=5 m=29
